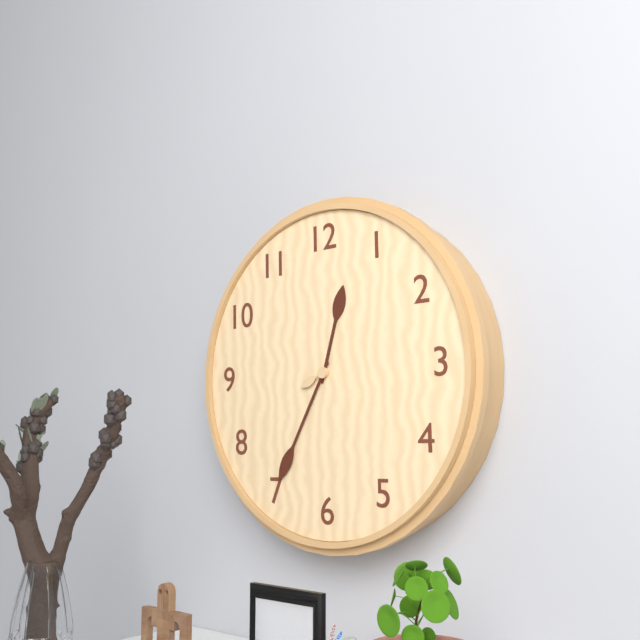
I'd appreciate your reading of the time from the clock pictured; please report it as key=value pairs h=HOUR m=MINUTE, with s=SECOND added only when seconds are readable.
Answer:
h=12 m=35 s=41
